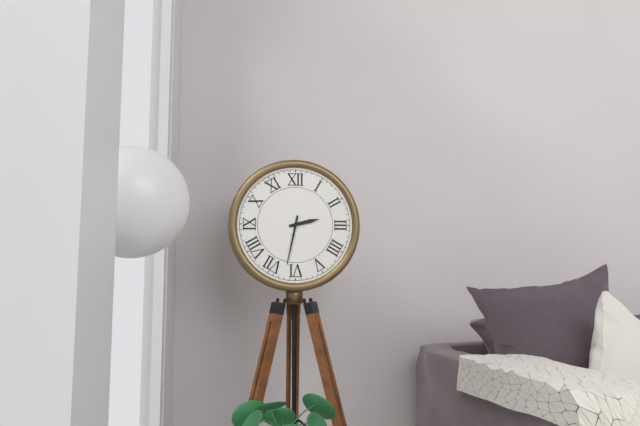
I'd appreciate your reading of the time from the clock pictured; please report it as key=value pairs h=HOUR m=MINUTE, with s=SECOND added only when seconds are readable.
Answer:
h=2 m=32
